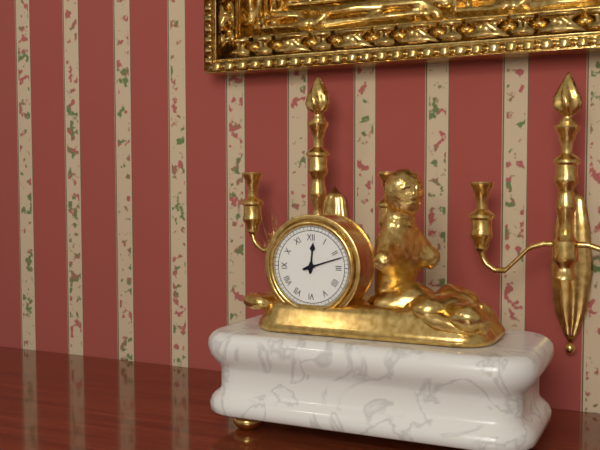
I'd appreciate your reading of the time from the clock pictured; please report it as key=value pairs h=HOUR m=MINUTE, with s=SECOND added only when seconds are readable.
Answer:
h=12 m=12
